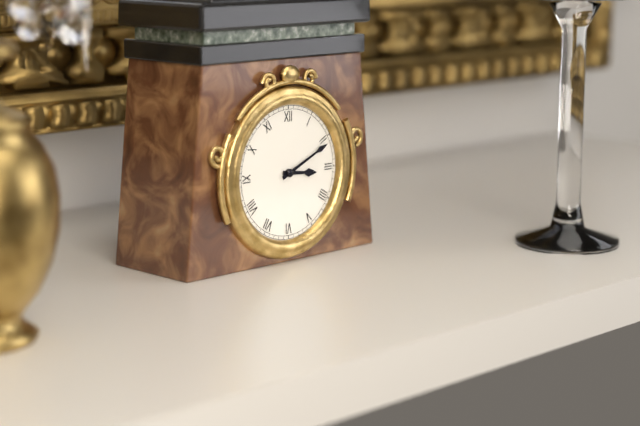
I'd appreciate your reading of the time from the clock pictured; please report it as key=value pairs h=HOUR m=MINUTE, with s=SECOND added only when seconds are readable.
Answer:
h=3 m=11
